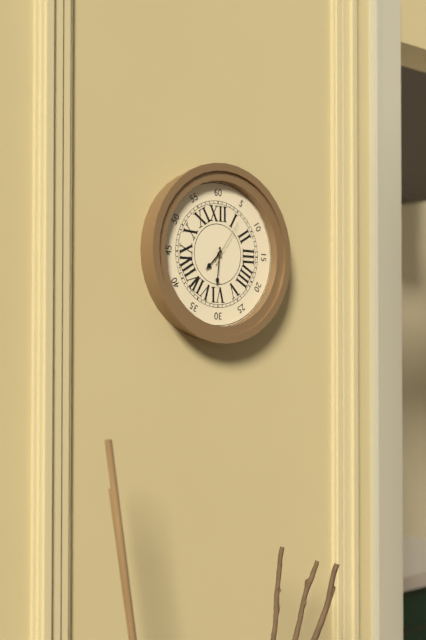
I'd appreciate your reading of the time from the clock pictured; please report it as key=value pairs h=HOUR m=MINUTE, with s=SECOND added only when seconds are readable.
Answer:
h=7 m=31
